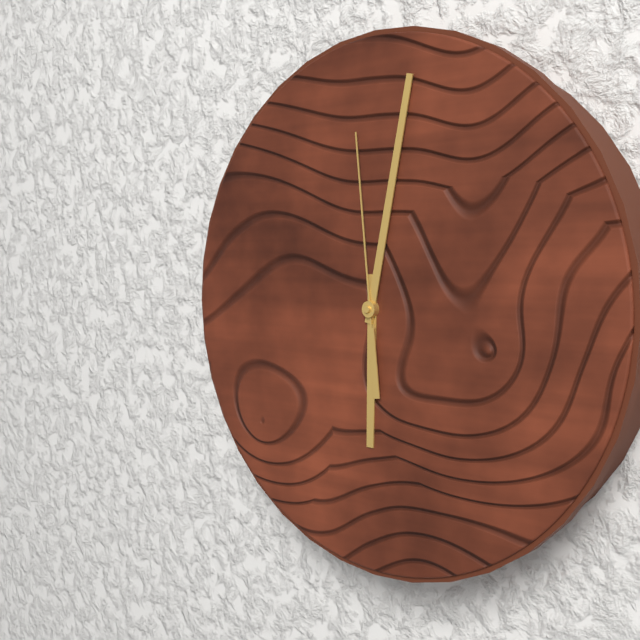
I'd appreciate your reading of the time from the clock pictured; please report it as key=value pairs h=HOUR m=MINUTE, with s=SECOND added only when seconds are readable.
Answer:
h=6 m=2 s=59
